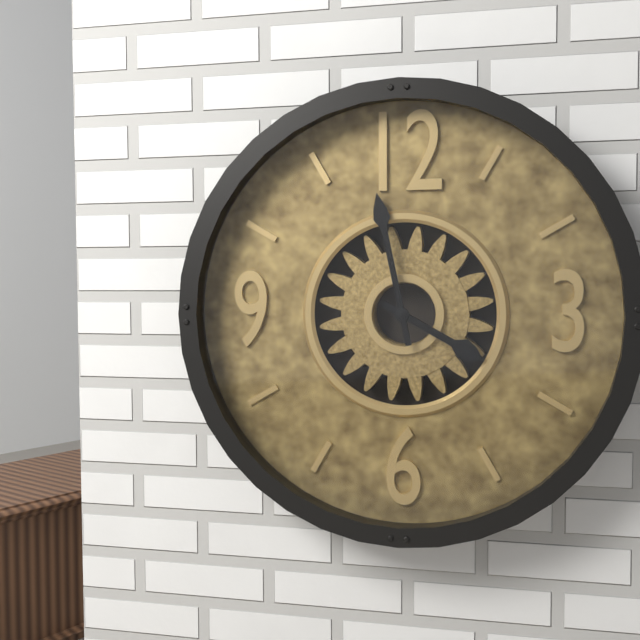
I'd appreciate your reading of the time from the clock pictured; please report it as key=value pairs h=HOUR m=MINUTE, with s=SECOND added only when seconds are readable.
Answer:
h=3 m=58
